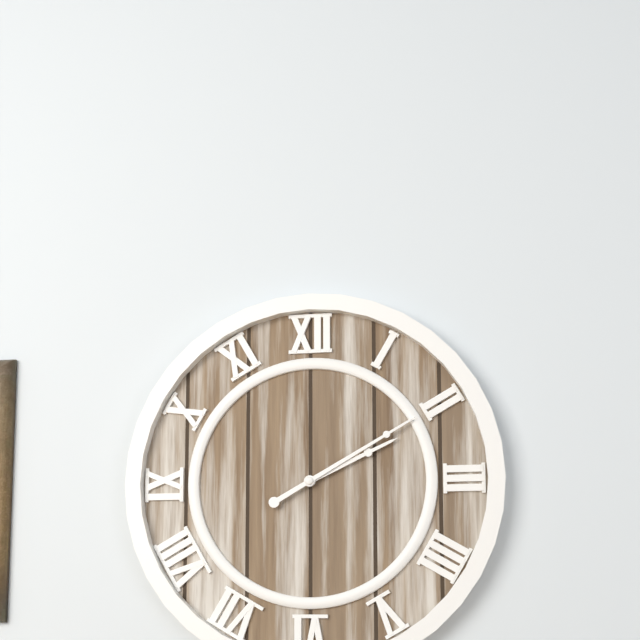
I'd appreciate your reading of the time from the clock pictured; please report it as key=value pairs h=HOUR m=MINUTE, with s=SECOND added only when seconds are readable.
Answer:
h=2 m=10
